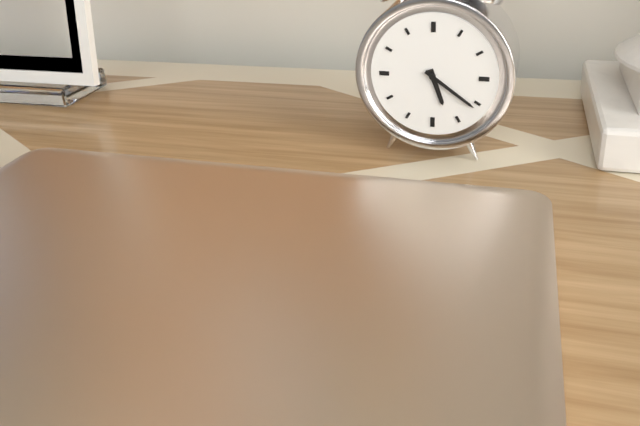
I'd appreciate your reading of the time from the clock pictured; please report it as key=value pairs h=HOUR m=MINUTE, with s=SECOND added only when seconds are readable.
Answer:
h=5 m=21
